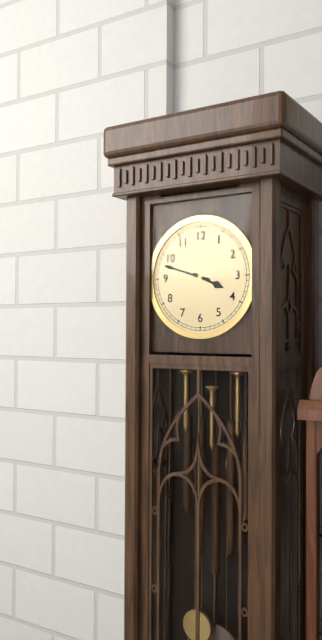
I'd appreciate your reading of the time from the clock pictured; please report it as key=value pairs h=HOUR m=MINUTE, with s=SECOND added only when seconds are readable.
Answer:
h=3 m=48
